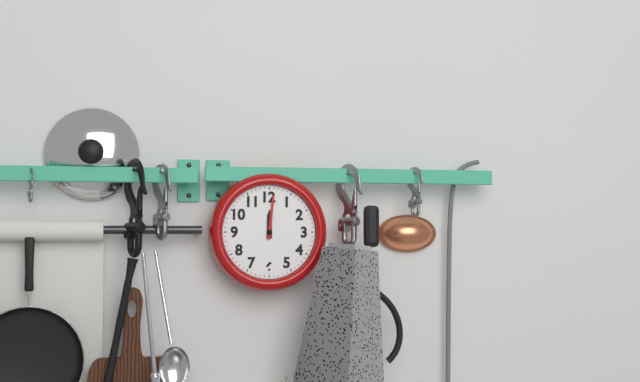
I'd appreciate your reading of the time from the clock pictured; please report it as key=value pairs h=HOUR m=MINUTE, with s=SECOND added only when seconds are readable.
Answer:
h=12 m=1
